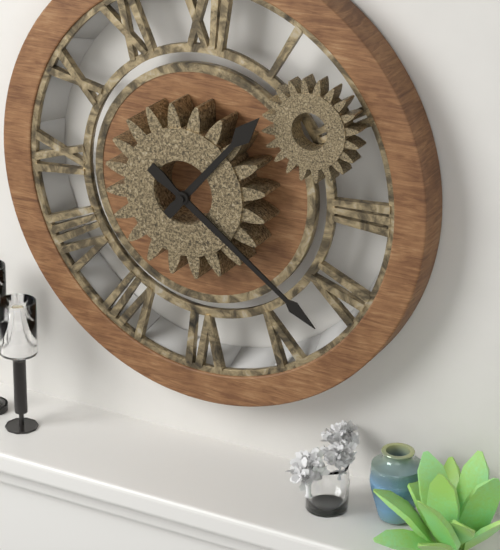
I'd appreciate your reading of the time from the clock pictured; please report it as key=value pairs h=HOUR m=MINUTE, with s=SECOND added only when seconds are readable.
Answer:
h=1 m=21
